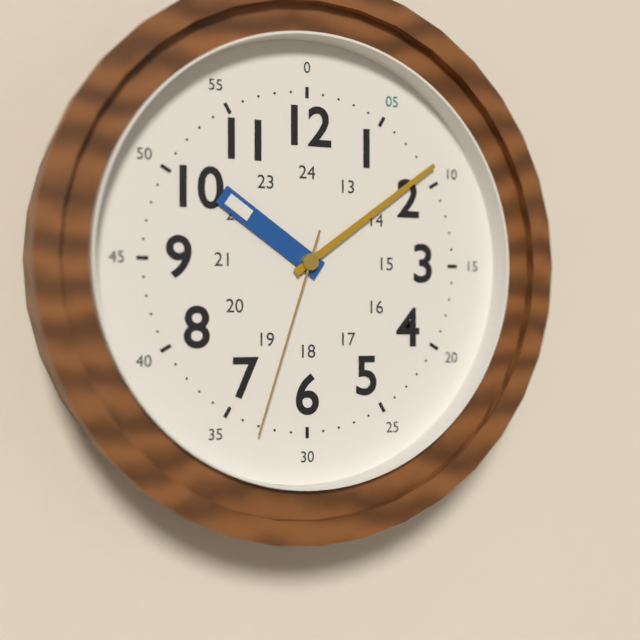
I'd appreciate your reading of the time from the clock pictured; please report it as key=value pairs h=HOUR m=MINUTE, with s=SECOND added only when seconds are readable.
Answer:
h=10 m=9 s=33
